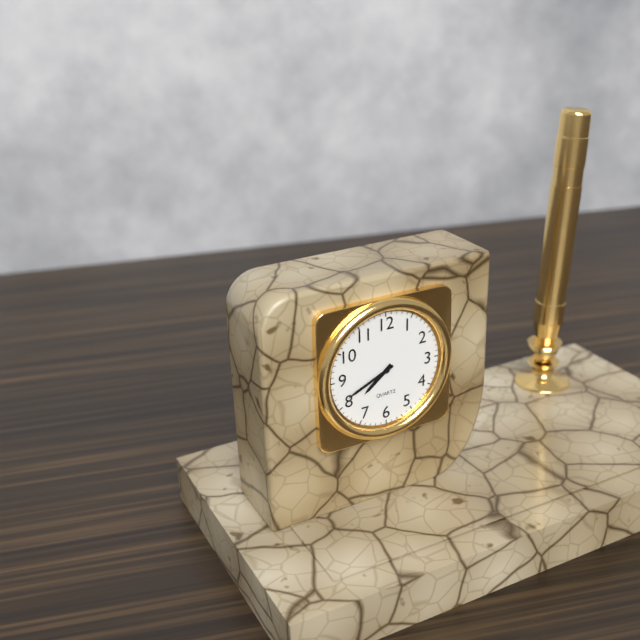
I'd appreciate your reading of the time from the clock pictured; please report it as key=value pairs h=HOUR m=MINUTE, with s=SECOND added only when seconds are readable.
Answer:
h=7 m=41
